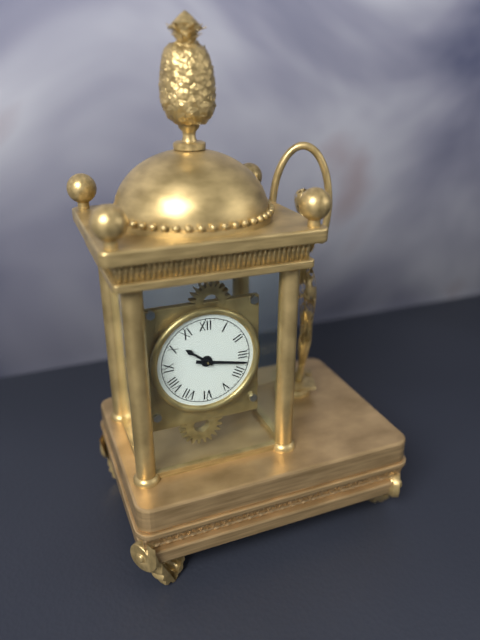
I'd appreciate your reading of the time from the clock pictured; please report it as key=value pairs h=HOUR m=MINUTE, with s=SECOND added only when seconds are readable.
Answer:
h=10 m=17
